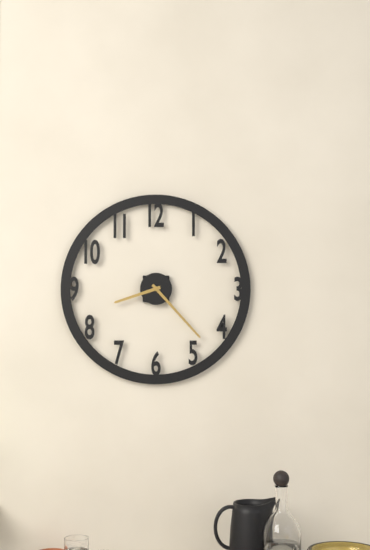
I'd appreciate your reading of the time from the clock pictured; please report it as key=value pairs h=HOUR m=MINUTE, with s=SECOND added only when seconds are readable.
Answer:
h=8 m=23
